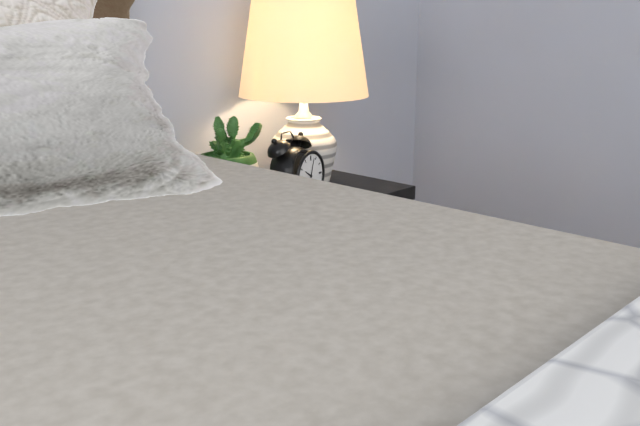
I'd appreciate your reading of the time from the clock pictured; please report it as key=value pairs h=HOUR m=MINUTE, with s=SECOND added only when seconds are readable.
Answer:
h=10 m=3
